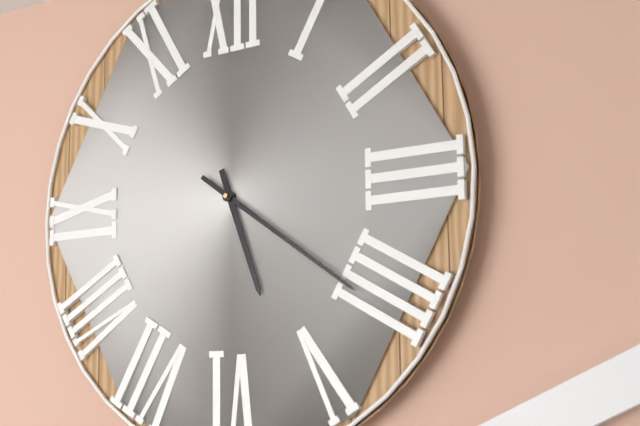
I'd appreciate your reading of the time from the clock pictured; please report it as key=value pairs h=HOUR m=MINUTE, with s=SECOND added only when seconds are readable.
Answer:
h=5 m=21
